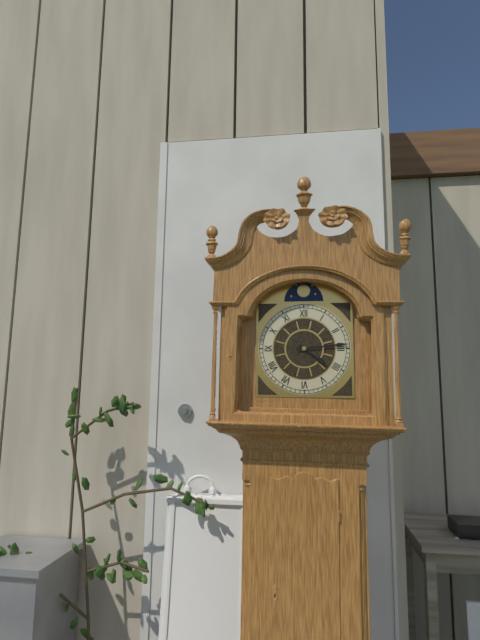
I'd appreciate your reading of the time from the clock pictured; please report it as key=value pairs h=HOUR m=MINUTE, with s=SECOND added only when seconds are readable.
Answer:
h=4 m=14
